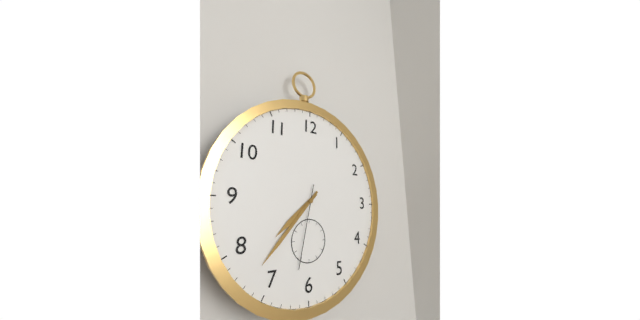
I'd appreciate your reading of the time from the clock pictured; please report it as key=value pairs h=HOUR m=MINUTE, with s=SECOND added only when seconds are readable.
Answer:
h=7 m=37 s=32
